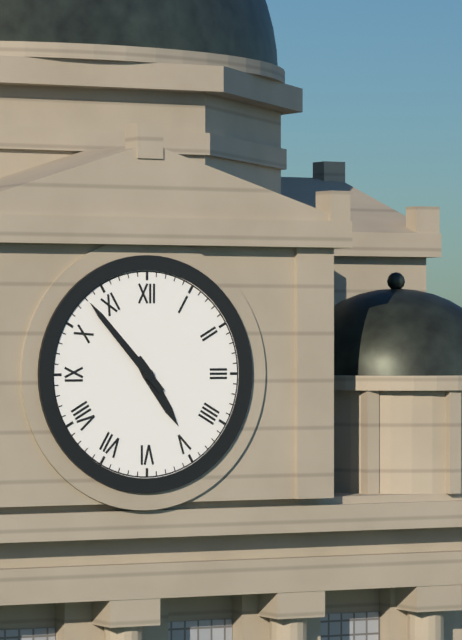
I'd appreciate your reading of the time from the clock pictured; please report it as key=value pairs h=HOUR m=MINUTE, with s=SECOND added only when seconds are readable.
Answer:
h=4 m=53
